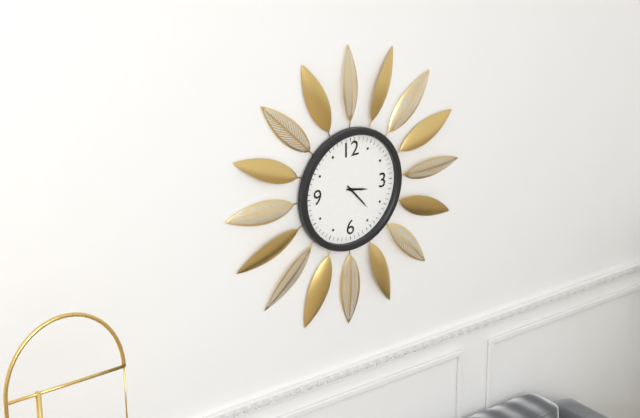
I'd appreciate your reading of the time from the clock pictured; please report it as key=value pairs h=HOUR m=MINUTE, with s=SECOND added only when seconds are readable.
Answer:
h=3 m=23
